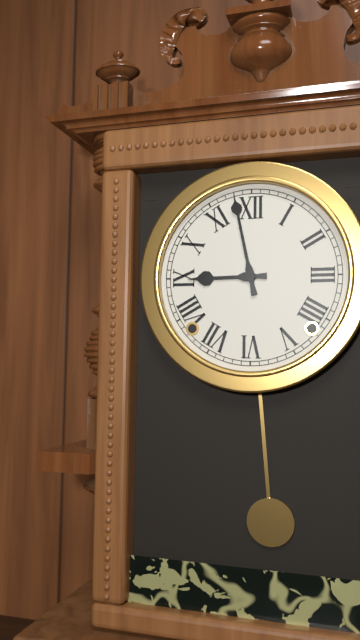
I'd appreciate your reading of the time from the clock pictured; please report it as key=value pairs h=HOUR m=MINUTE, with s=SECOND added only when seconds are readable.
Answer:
h=8 m=58
